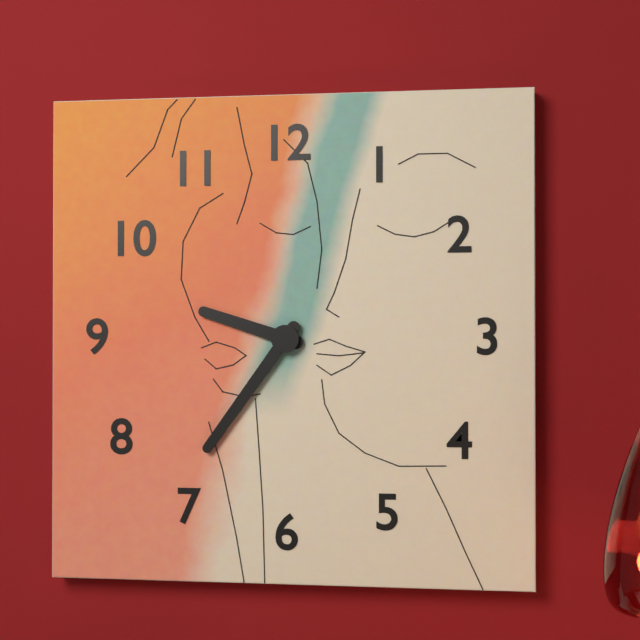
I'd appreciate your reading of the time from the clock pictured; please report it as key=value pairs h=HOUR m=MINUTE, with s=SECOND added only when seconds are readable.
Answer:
h=9 m=36
